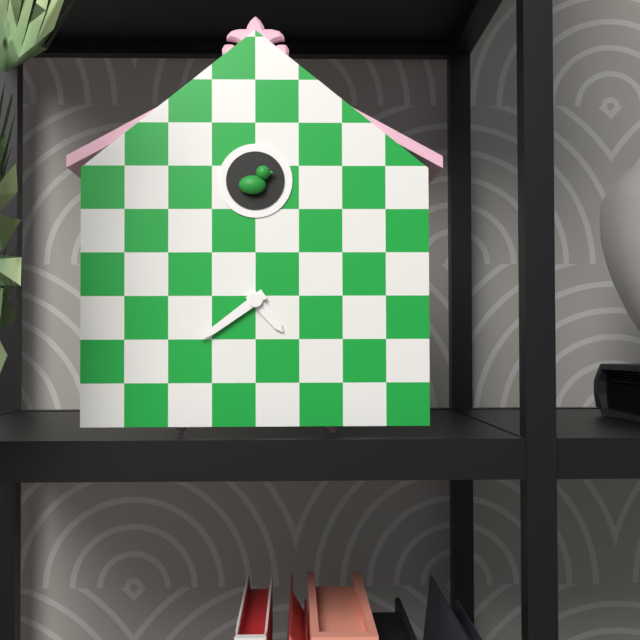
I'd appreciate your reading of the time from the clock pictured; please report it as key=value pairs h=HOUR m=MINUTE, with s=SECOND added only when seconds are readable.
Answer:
h=4 m=39
